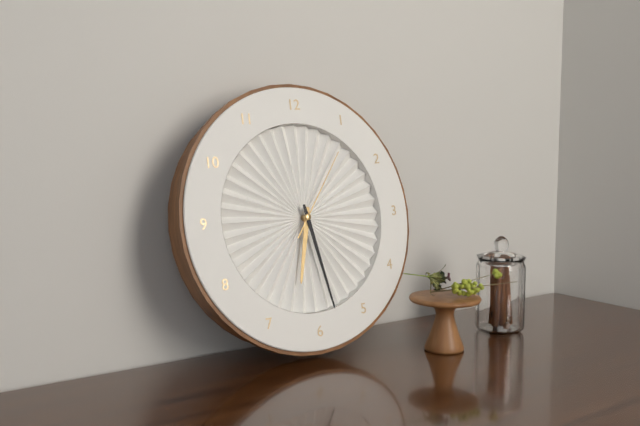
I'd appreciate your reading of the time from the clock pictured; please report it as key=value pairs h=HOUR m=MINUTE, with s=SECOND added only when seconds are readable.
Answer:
h=6 m=28 s=6
